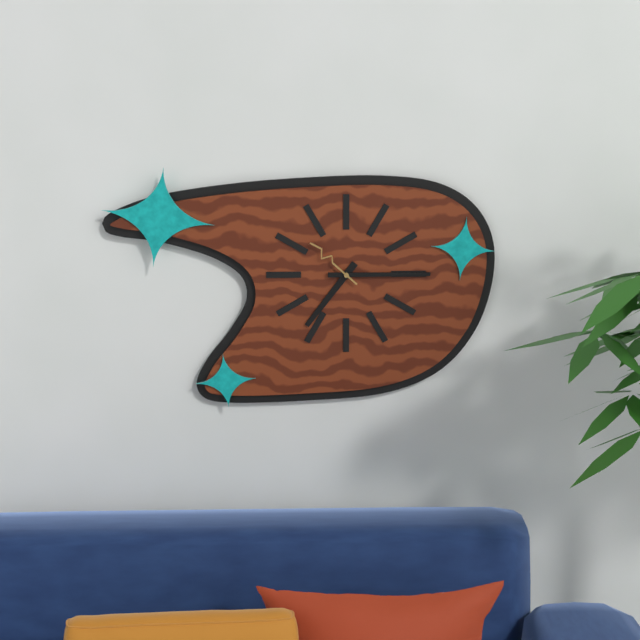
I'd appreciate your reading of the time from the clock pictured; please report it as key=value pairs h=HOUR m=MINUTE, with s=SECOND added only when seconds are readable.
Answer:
h=7 m=15 s=52
